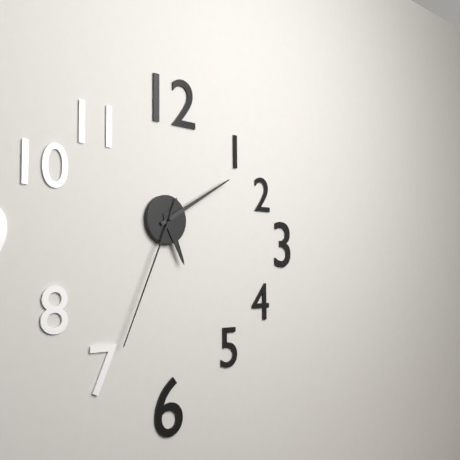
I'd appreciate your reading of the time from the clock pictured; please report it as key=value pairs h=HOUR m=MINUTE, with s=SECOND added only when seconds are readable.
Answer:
h=5 m=10 s=34
